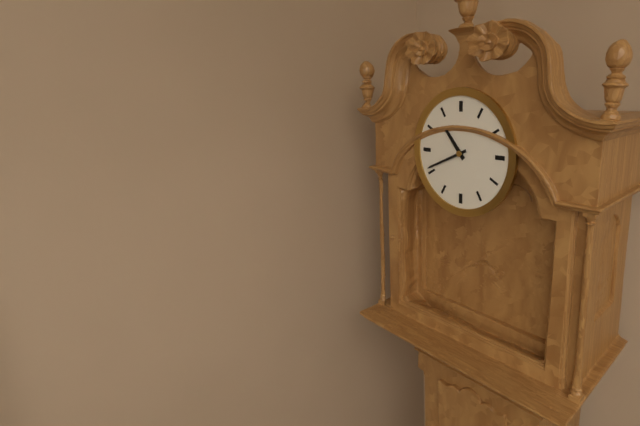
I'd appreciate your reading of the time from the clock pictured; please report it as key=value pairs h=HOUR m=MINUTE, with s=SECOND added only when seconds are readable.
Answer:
h=10 m=41
